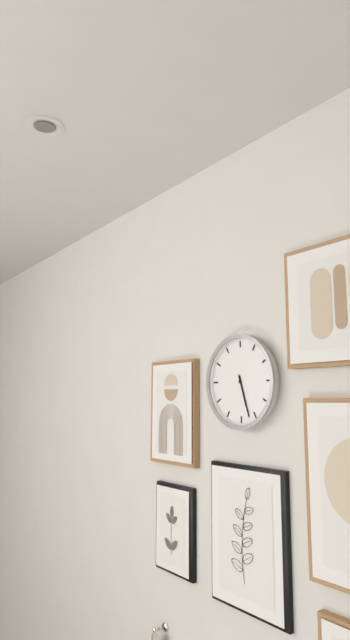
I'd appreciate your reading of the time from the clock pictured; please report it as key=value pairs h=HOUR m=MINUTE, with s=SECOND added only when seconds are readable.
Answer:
h=5 m=27
